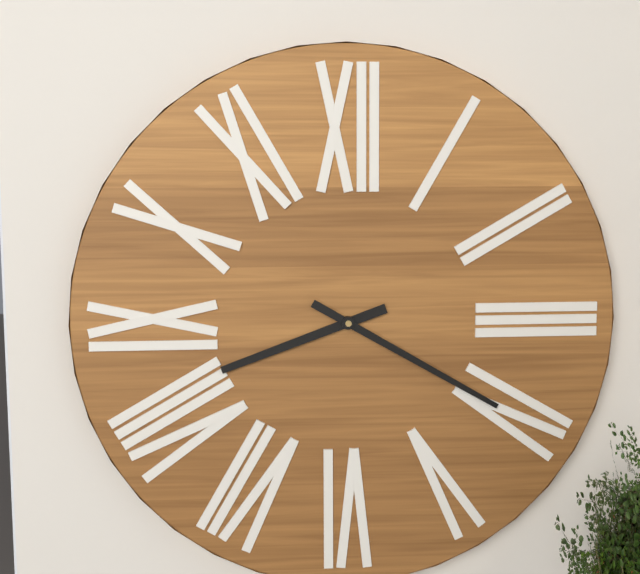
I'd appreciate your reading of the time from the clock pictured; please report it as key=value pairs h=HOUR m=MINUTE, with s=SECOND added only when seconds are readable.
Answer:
h=8 m=20
